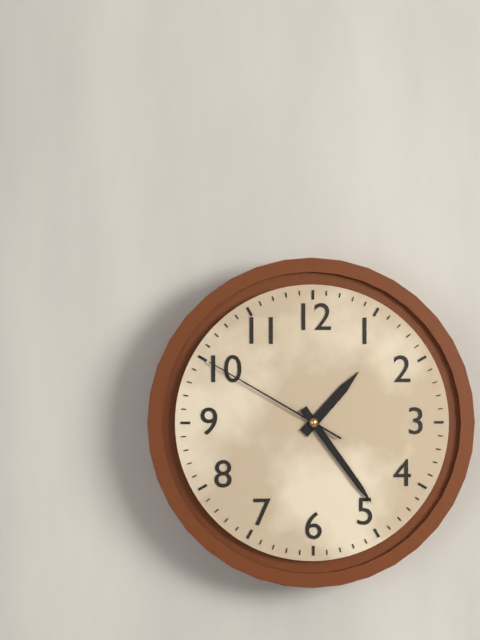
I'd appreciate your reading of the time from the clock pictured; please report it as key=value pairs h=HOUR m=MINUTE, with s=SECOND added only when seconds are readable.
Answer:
h=1 m=24 s=50
